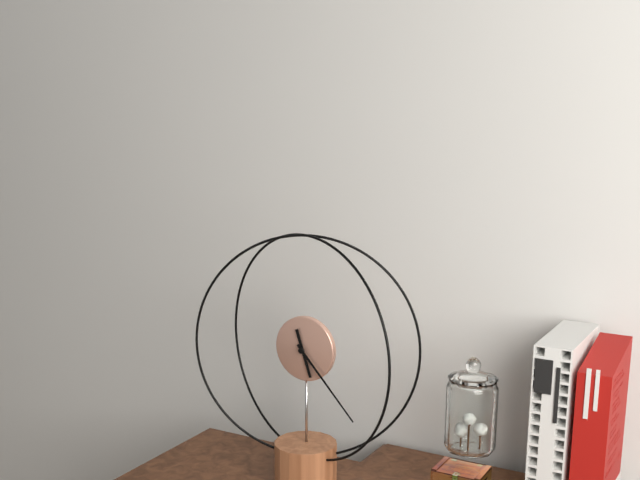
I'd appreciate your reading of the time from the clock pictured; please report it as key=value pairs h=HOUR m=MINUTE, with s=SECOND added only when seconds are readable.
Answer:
h=5 m=23
